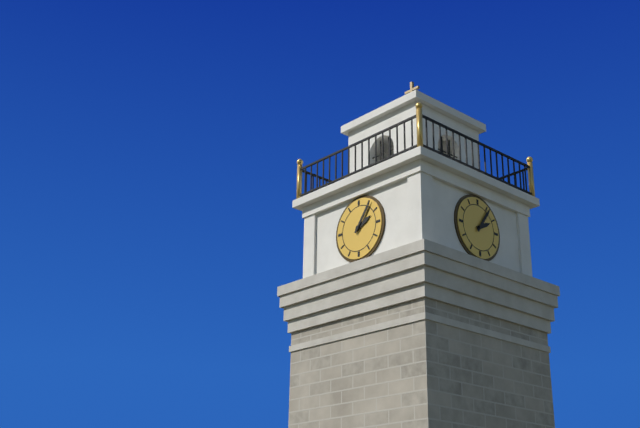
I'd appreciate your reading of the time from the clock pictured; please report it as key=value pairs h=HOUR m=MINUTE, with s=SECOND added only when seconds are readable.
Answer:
h=2 m=6
